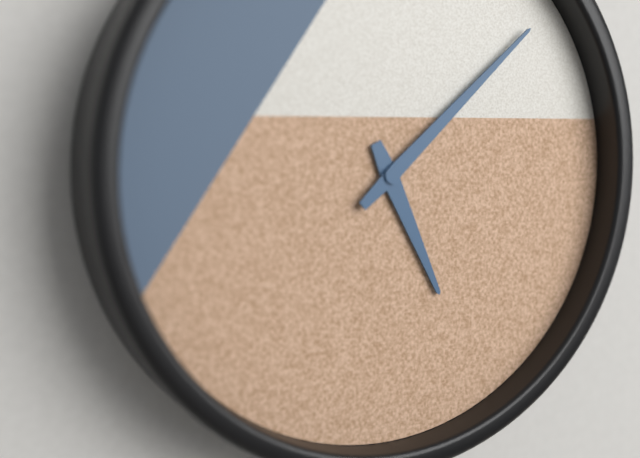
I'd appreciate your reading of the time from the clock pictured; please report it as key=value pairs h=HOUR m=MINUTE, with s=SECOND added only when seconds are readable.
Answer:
h=5 m=8
